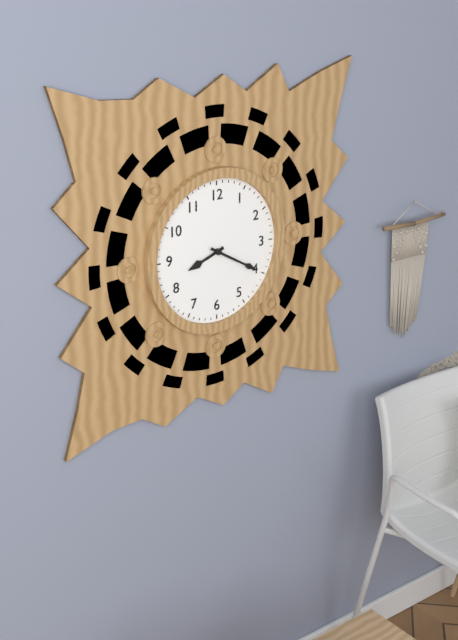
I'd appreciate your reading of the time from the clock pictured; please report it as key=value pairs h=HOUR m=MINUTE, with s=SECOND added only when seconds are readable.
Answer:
h=8 m=20
